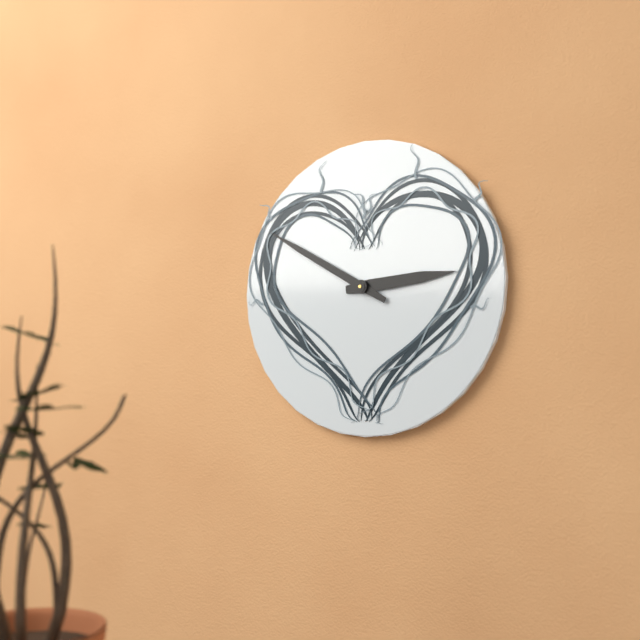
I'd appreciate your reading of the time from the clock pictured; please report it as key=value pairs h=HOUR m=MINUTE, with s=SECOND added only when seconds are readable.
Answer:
h=2 m=50
